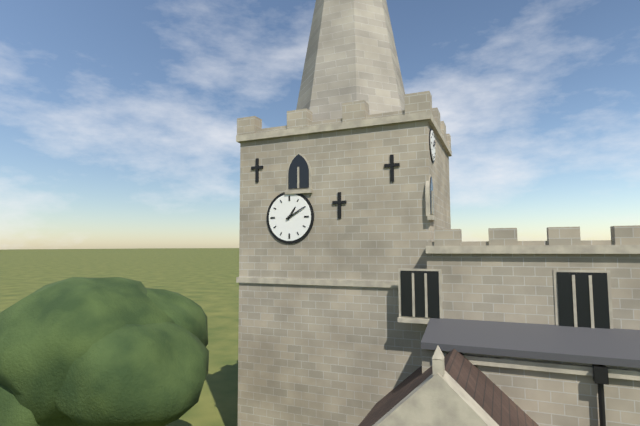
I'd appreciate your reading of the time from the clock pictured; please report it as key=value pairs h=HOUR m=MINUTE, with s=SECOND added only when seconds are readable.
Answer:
h=1 m=10
